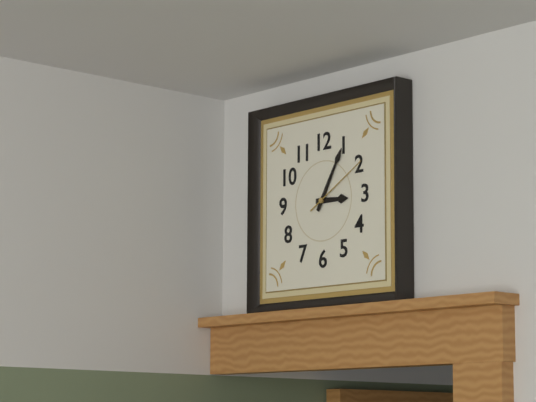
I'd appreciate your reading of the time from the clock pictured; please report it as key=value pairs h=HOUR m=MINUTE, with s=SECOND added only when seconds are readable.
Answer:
h=3 m=5 s=10
